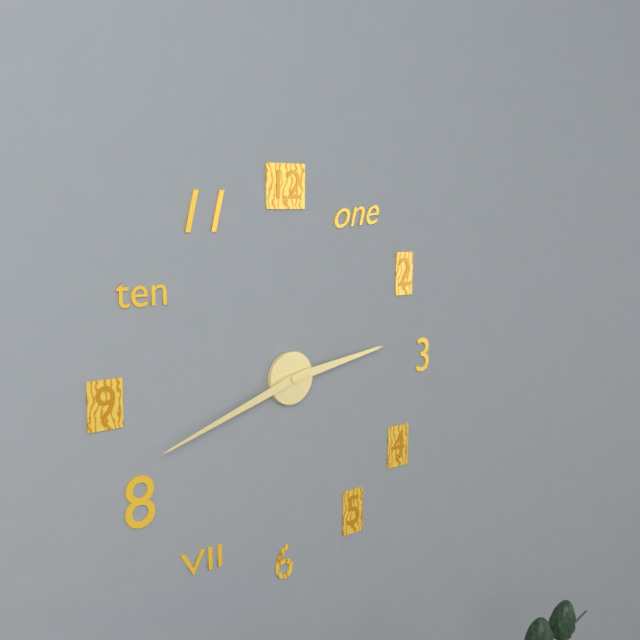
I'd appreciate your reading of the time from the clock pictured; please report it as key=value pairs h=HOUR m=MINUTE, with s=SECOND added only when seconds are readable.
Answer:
h=2 m=42
